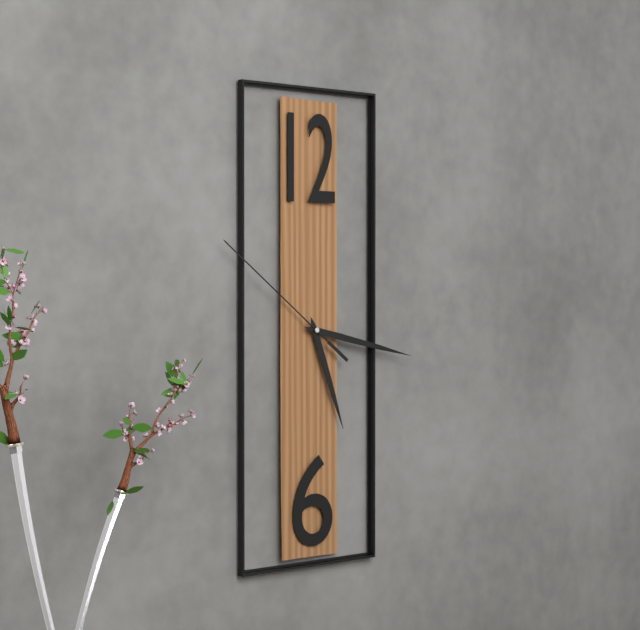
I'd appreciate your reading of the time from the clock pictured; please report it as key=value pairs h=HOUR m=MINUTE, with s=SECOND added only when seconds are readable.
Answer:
h=5 m=17 s=51
